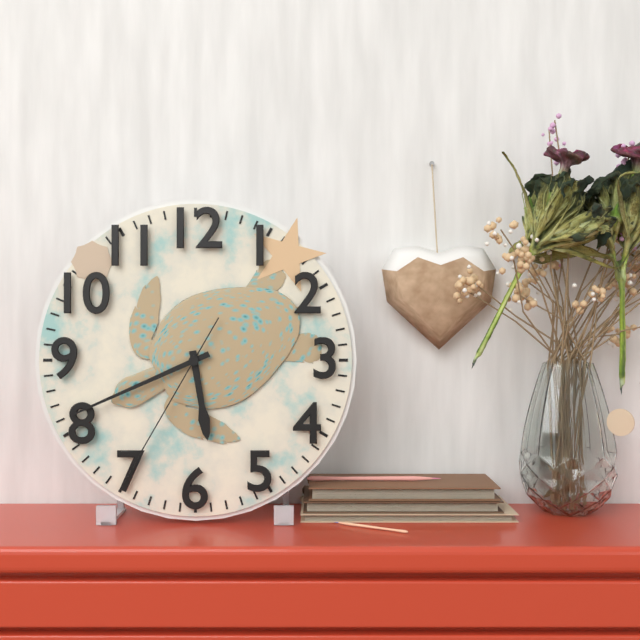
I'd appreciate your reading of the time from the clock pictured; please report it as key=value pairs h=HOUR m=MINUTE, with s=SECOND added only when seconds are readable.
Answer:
h=5 m=41 s=35
